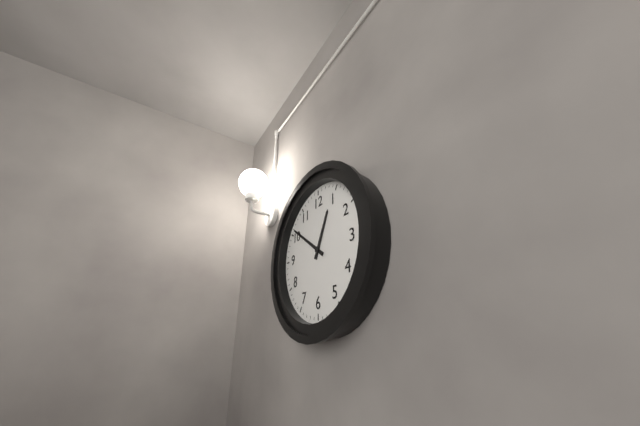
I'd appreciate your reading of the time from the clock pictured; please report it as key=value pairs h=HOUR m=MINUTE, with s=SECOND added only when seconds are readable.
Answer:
h=12 m=51
